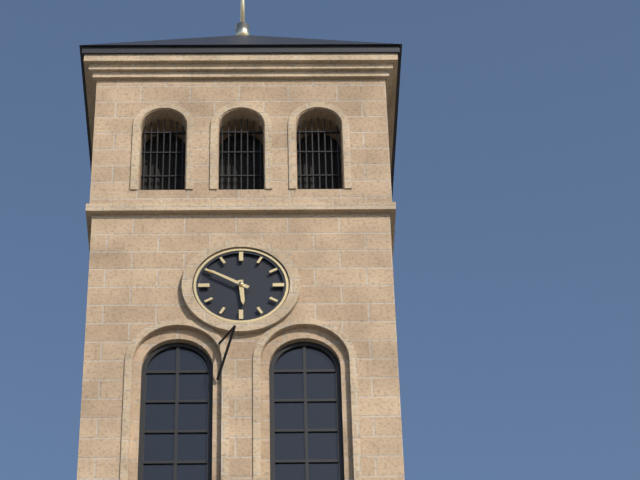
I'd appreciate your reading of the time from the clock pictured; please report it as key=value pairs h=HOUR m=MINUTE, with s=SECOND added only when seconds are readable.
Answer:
h=5 m=50
